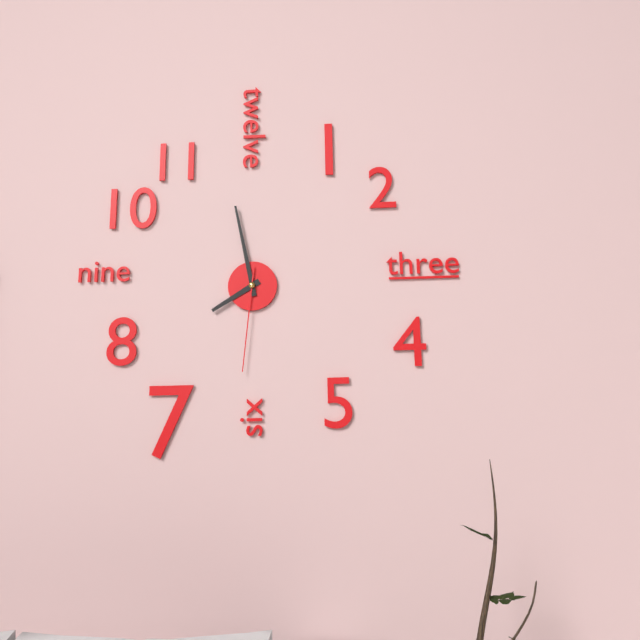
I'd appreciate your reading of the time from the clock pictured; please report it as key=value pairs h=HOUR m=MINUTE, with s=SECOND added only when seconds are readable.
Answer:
h=7 m=58 s=31
